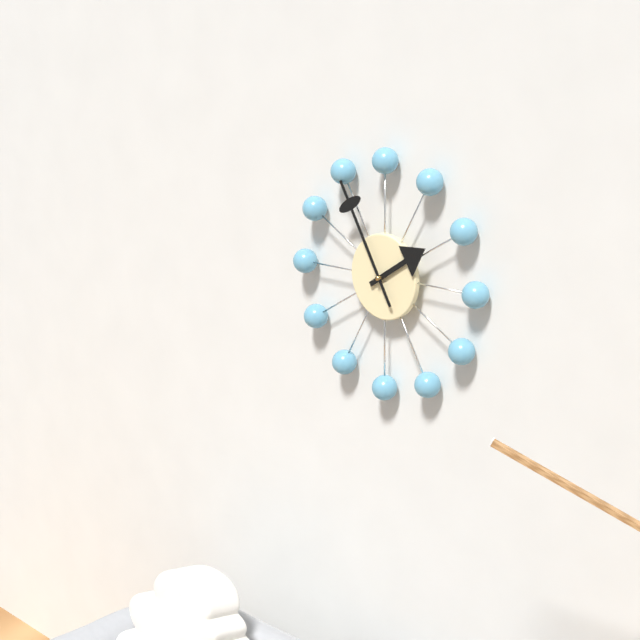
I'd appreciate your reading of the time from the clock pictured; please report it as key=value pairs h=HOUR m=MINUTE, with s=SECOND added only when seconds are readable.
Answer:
h=1 m=55
